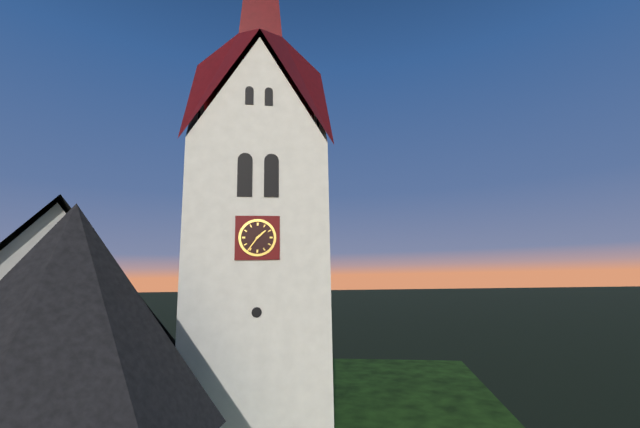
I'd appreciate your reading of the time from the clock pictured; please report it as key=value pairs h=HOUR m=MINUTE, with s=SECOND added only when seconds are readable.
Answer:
h=1 m=36
